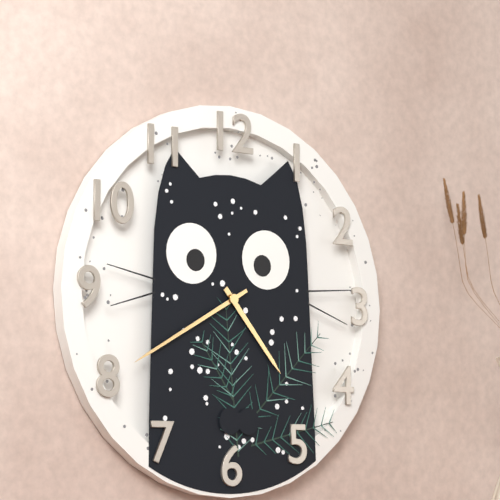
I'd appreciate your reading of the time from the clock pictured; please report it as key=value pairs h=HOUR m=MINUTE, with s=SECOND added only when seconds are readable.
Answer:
h=4 m=40
